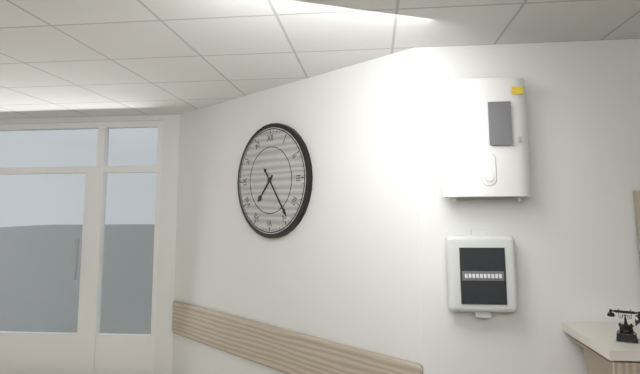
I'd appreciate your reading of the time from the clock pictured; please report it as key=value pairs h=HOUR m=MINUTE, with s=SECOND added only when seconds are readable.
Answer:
h=7 m=24
